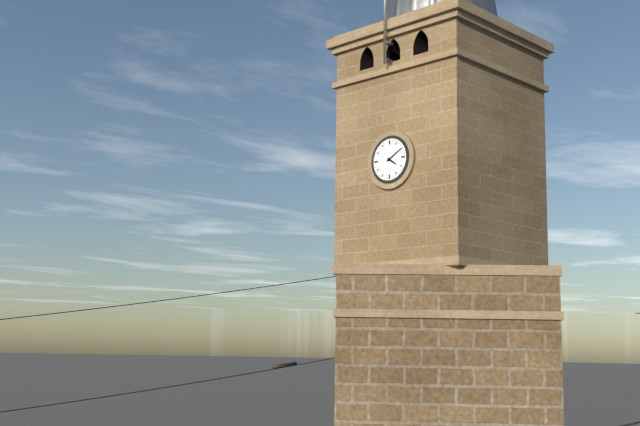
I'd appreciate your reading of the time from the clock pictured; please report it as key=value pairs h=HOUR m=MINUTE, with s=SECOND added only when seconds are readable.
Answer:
h=4 m=10
